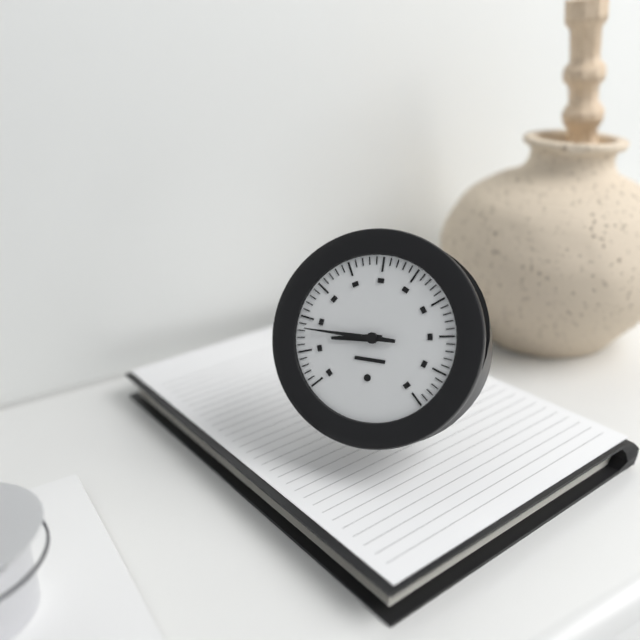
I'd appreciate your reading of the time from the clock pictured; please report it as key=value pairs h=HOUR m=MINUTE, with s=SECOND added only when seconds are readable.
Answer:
h=8 m=45
